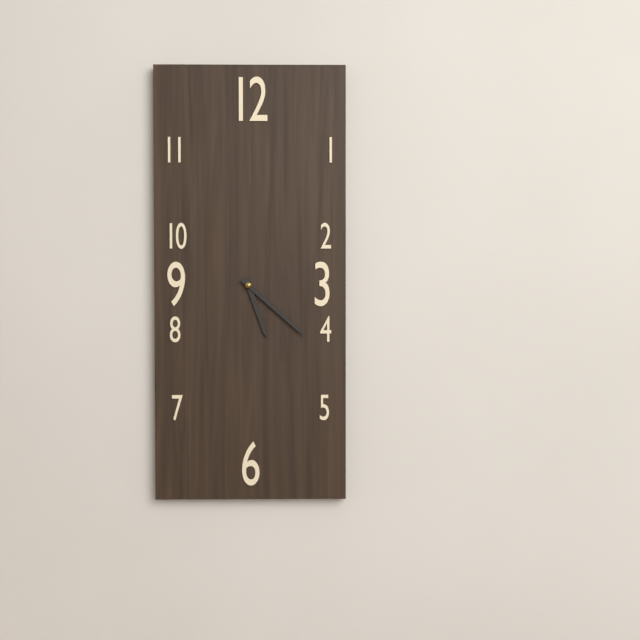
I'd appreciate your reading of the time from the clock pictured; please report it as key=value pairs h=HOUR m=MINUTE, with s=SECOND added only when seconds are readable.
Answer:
h=5 m=22
